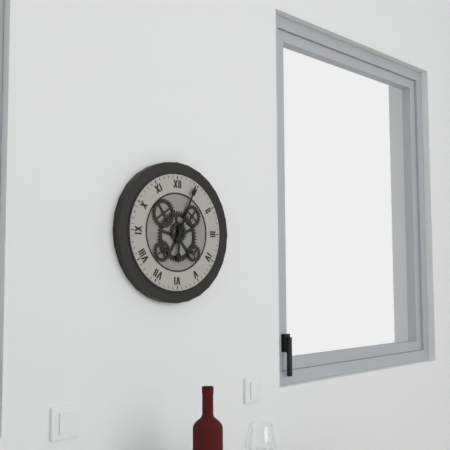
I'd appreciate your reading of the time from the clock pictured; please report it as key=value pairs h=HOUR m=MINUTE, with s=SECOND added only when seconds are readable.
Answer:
h=6 m=4
